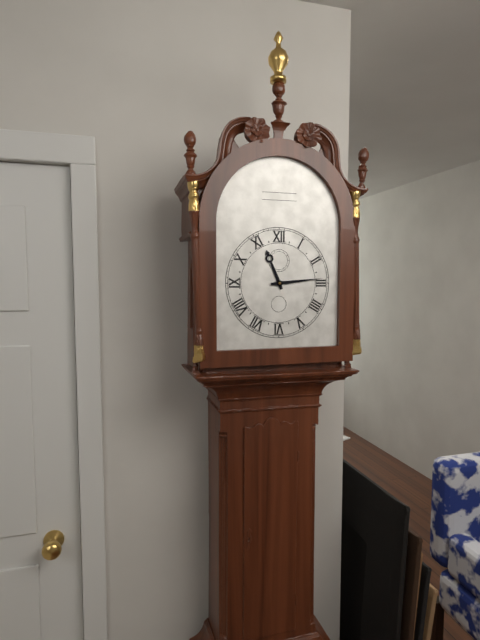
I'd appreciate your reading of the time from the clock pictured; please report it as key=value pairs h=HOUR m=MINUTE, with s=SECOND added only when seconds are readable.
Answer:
h=11 m=14
